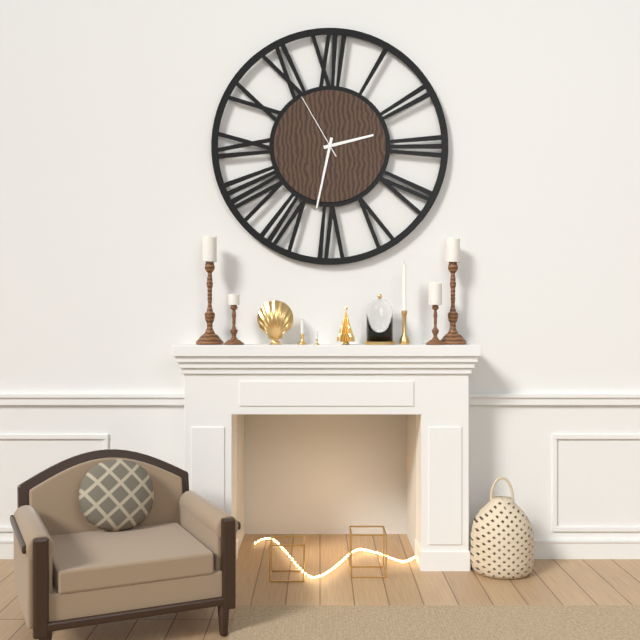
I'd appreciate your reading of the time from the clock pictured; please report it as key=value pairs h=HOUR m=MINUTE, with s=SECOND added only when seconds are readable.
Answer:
h=2 m=32 s=55
